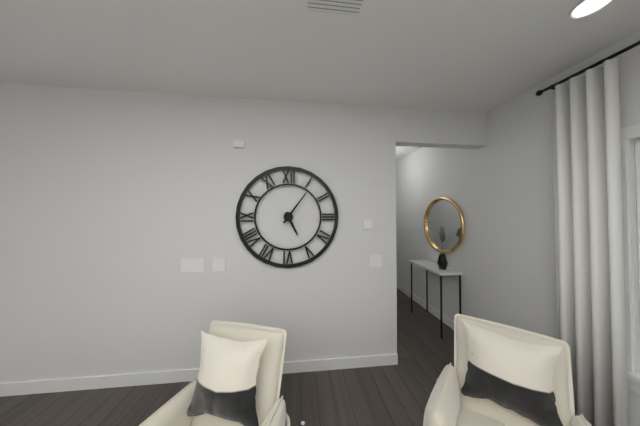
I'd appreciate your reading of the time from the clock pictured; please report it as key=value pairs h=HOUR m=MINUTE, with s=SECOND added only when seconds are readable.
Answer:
h=5 m=6
